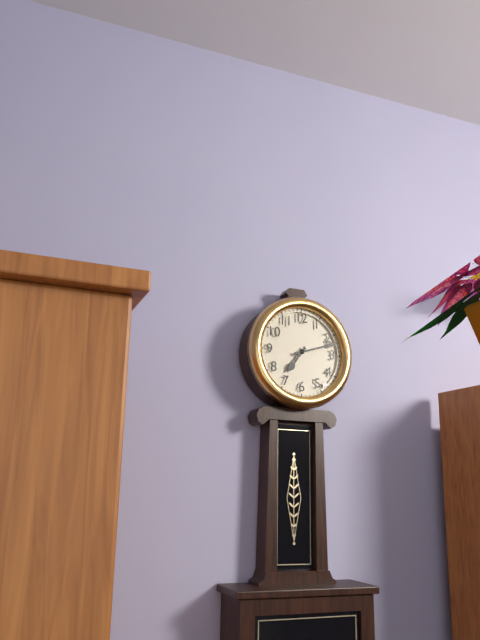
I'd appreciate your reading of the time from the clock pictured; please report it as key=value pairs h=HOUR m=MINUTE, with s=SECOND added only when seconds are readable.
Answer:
h=7 m=12
